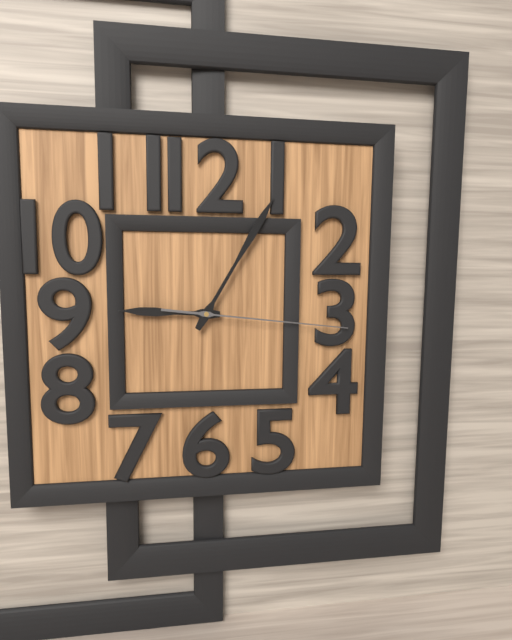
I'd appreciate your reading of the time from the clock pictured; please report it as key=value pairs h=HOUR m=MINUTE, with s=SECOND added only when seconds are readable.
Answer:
h=9 m=5 s=16
